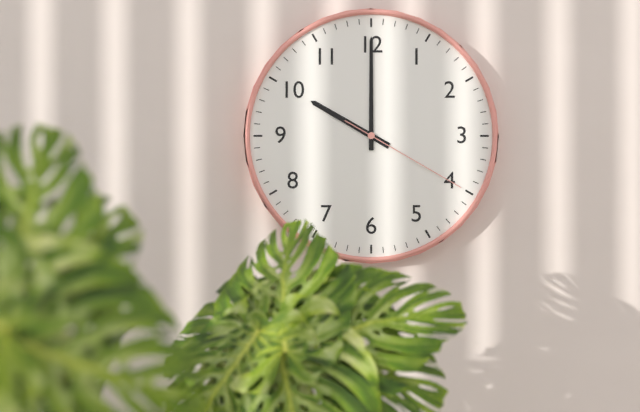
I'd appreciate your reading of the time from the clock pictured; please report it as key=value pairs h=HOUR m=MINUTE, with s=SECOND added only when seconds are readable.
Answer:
h=10 m=0 s=20
